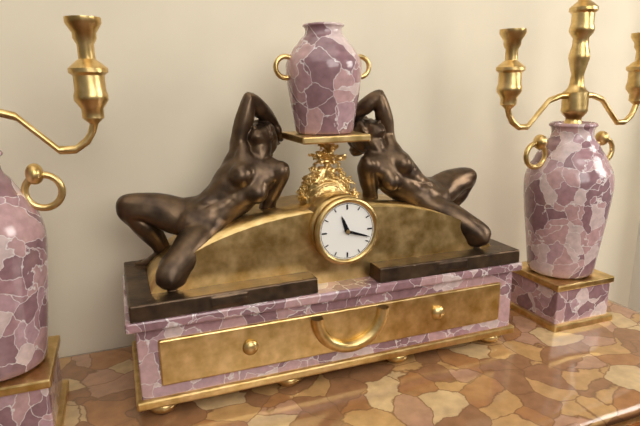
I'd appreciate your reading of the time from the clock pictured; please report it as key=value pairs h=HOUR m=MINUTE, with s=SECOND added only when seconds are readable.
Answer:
h=11 m=18
